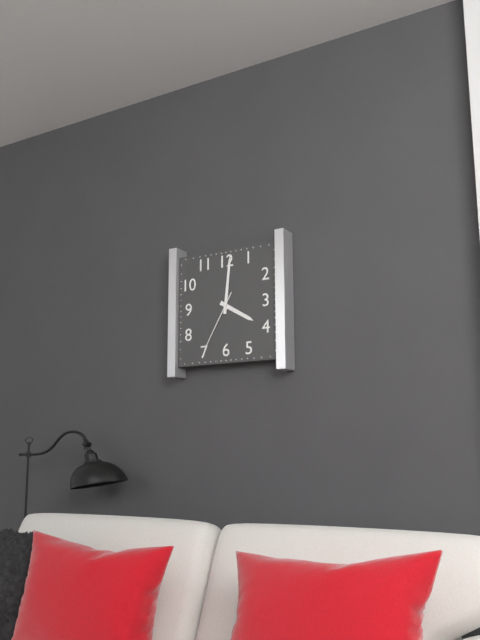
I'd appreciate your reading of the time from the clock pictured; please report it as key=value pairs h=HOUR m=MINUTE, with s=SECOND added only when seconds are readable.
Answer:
h=4 m=1 s=35
